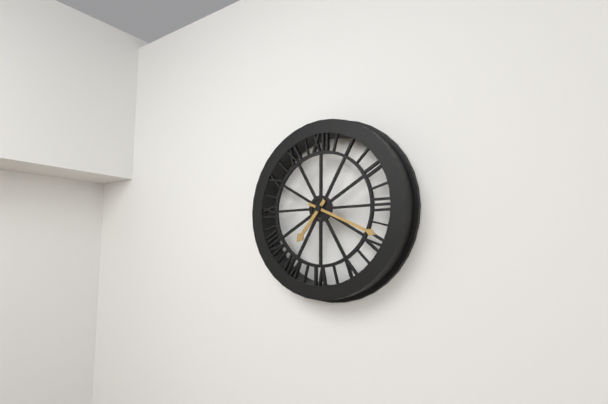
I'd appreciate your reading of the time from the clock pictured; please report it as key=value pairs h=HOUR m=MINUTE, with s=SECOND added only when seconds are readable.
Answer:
h=7 m=19
